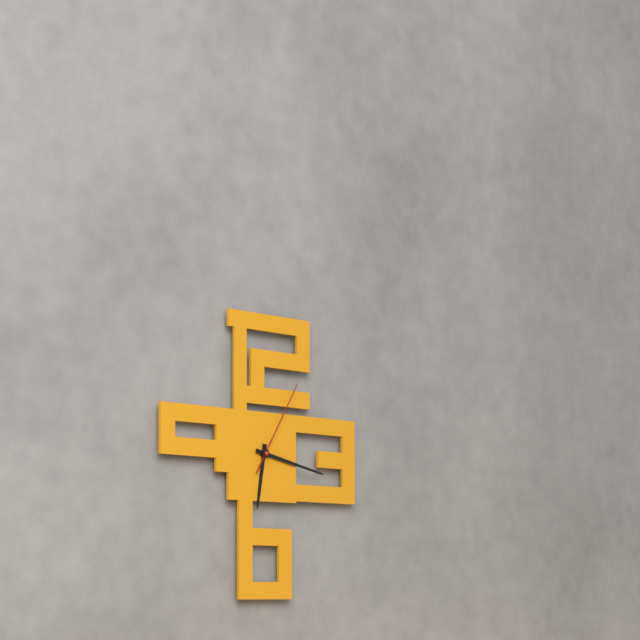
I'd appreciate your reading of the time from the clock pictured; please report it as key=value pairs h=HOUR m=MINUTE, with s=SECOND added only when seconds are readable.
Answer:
h=6 m=17 s=5
